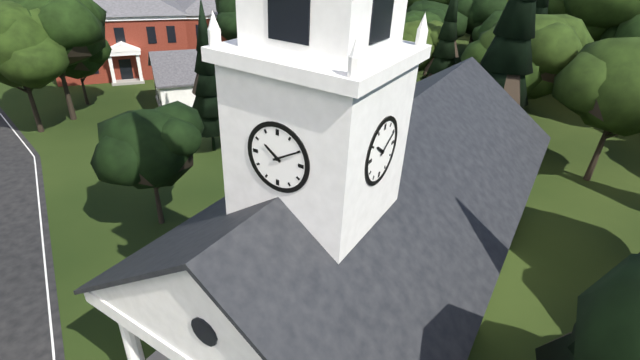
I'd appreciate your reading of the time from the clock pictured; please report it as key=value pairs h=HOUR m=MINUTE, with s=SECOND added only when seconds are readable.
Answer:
h=10 m=10
